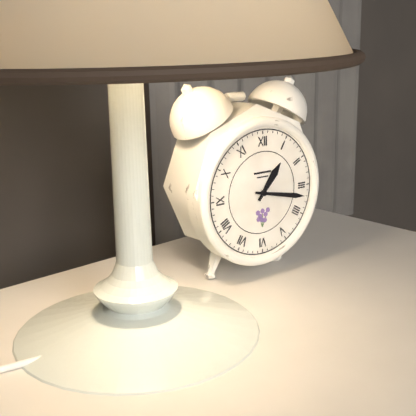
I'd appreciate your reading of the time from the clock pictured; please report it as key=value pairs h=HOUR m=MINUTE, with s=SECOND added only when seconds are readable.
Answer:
h=1 m=17
